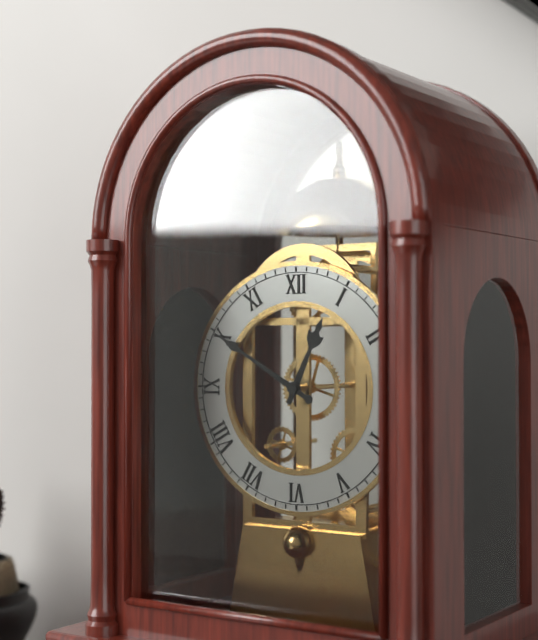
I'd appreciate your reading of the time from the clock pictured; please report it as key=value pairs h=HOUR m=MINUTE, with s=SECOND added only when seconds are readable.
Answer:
h=12 m=50
